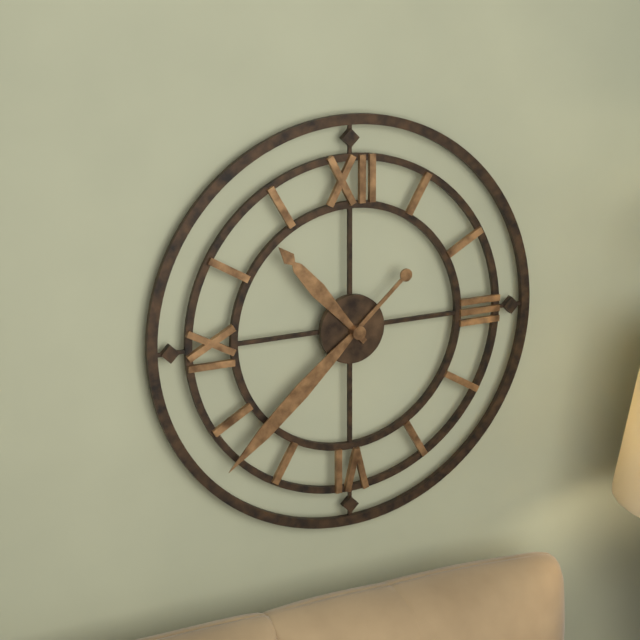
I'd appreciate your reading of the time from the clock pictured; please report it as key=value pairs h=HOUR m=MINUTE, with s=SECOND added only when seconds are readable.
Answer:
h=10 m=38
